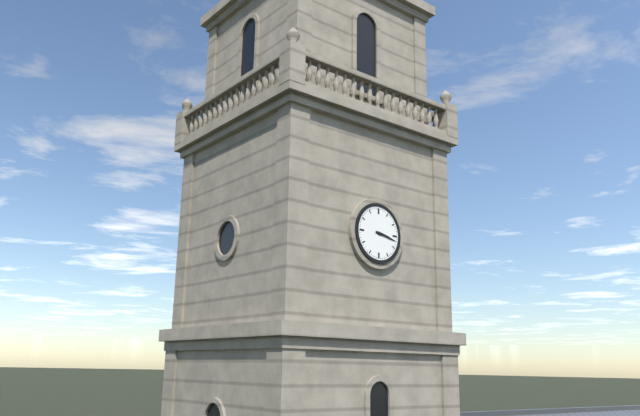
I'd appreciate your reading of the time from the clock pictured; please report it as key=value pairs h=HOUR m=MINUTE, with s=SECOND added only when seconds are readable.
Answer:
h=3 m=17
